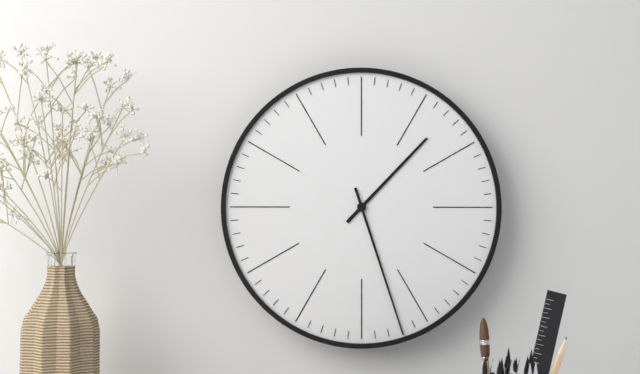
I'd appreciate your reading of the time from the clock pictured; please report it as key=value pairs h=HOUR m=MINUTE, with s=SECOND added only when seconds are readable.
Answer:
h=1 m=27
